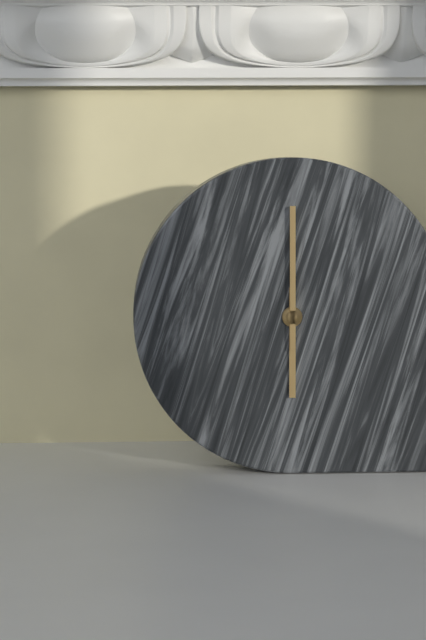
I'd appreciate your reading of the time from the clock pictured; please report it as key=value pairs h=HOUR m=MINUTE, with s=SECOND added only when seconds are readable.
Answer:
h=6 m=0
